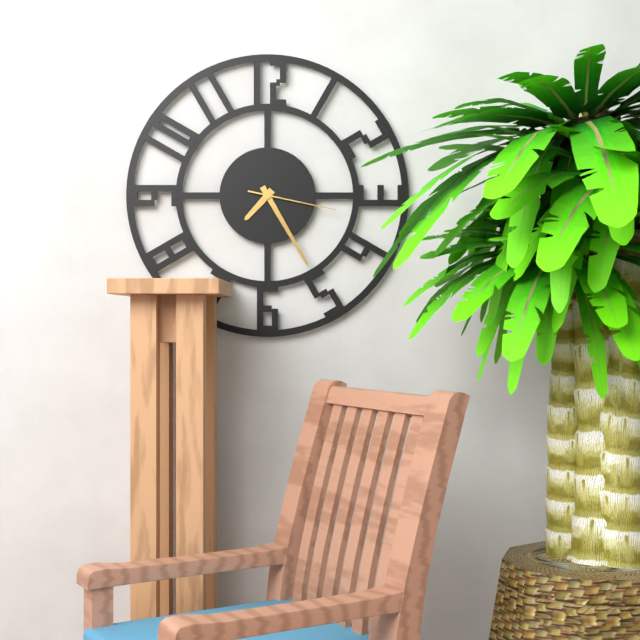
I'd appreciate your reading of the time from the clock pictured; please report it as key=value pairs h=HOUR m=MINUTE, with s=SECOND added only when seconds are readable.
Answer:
h=7 m=25 s=17
